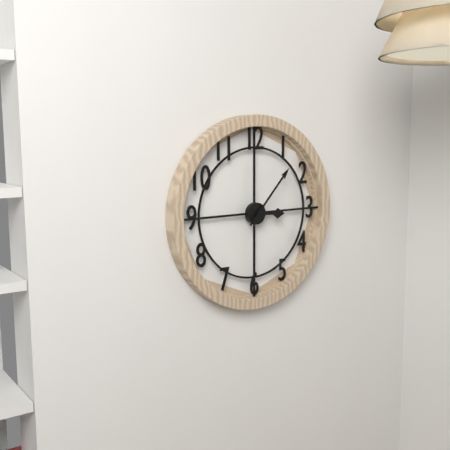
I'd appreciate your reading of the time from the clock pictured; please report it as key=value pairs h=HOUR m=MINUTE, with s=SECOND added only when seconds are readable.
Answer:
h=3 m=7
